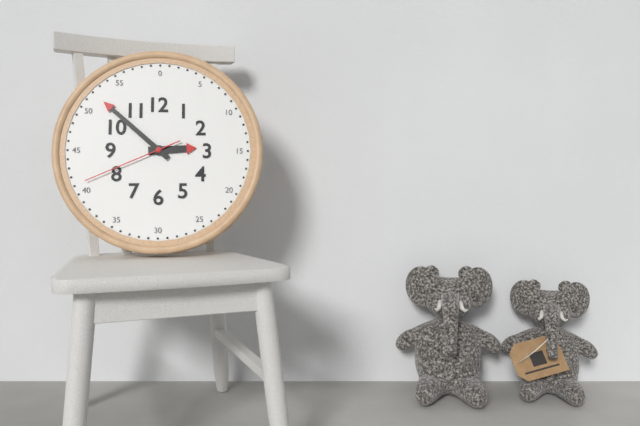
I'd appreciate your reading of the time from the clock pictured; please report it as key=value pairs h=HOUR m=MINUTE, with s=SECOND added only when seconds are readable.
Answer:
h=2 m=52 s=41
